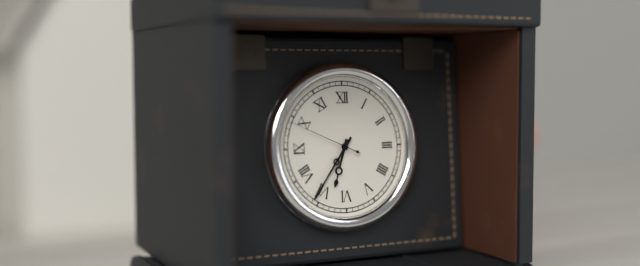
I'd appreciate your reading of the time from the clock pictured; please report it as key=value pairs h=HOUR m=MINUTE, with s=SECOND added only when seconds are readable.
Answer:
h=6 m=36 s=49
